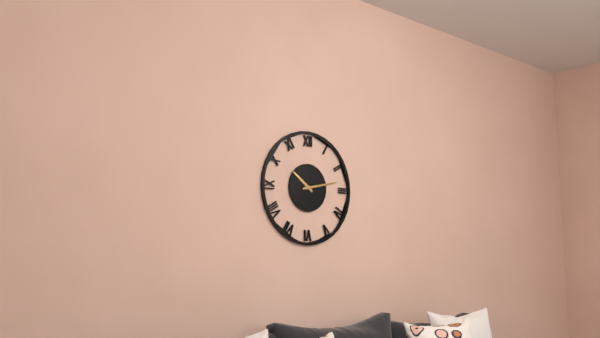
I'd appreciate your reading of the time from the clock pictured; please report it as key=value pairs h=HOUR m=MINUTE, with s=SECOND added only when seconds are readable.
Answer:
h=10 m=13
